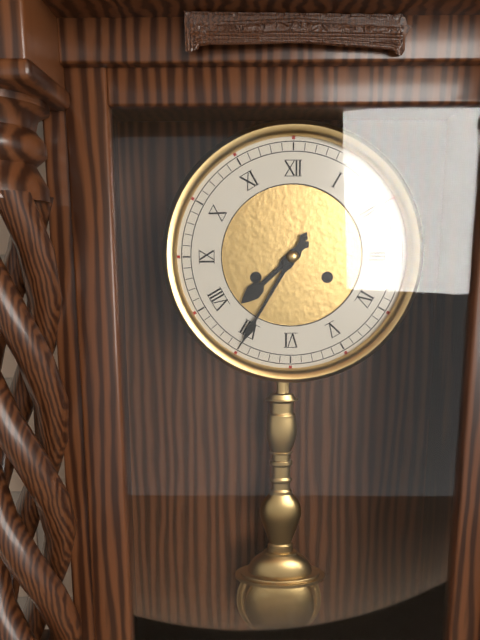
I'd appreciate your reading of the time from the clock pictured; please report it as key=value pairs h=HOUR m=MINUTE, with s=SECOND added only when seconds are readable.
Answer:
h=7 m=35
